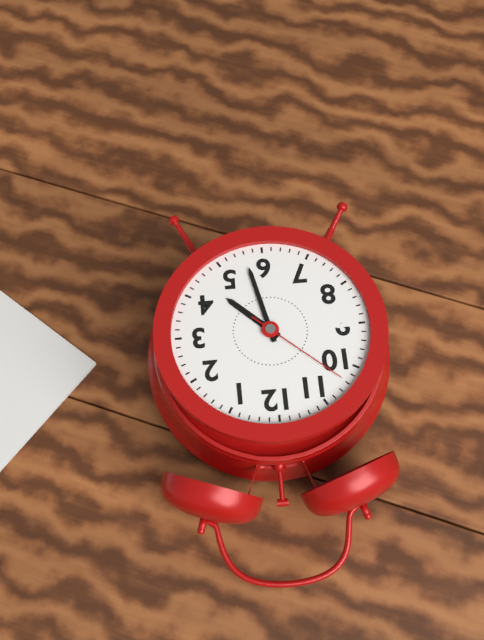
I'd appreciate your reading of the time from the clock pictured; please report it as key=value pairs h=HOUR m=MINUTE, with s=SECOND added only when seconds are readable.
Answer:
h=4 m=28 s=52
